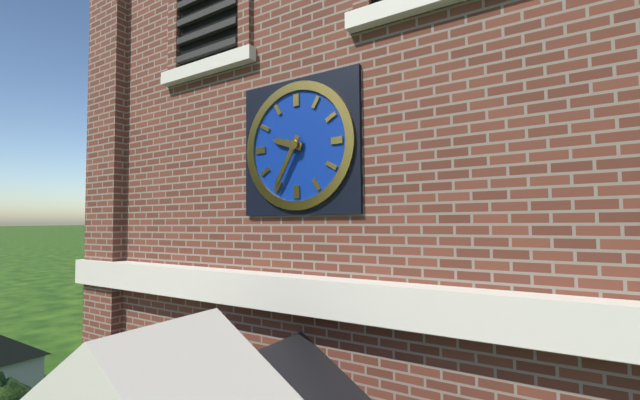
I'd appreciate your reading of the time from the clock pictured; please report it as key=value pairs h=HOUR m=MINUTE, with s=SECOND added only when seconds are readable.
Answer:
h=9 m=35
